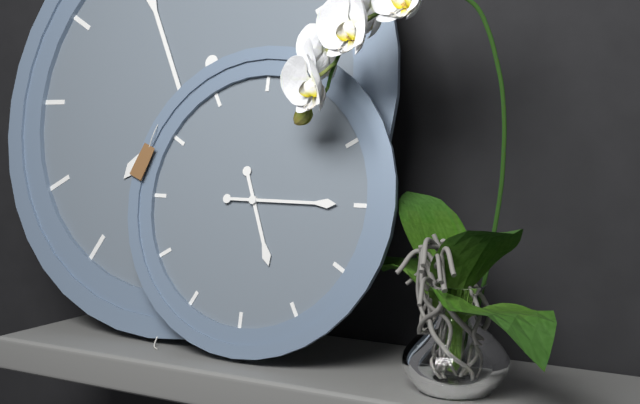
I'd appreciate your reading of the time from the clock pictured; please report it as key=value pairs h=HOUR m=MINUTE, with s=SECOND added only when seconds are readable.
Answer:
h=5 m=15
